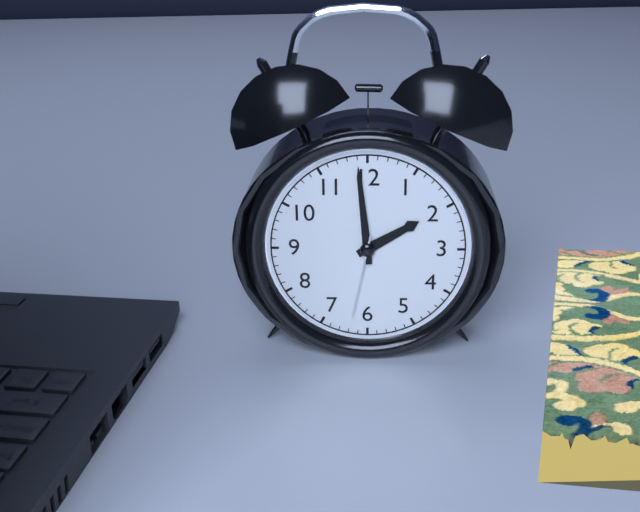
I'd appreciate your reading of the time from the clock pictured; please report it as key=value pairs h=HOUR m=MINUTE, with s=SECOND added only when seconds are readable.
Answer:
h=1 m=59 s=32
